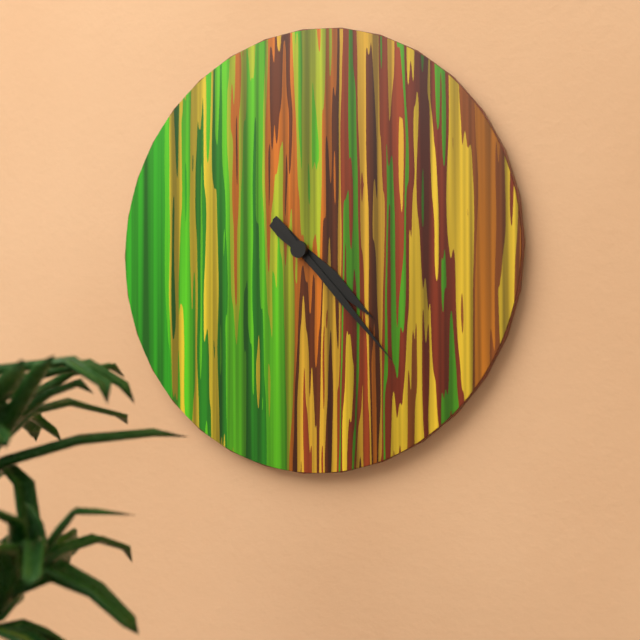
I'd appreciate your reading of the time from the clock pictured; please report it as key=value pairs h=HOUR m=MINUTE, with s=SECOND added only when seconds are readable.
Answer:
h=4 m=23
